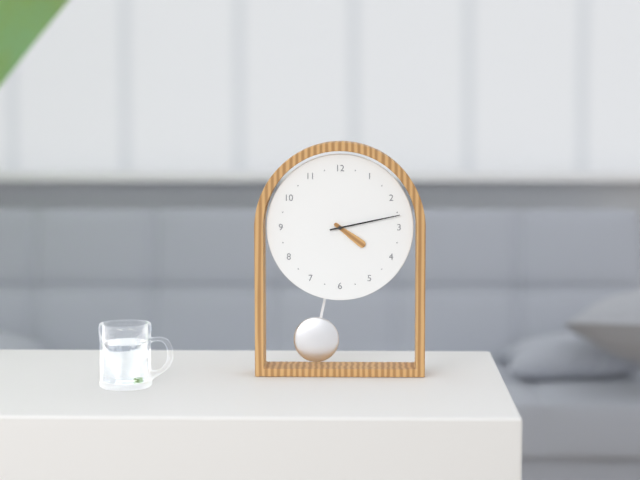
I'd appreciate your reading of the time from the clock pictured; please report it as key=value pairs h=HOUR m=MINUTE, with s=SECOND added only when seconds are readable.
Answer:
h=4 m=13
